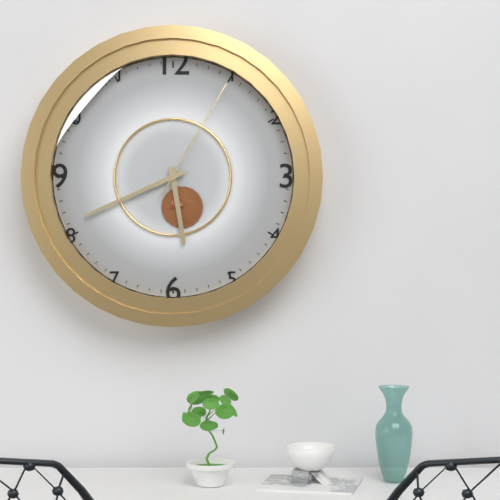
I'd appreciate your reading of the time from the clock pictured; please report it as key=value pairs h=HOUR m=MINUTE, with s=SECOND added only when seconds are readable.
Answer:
h=5 m=41 s=5
